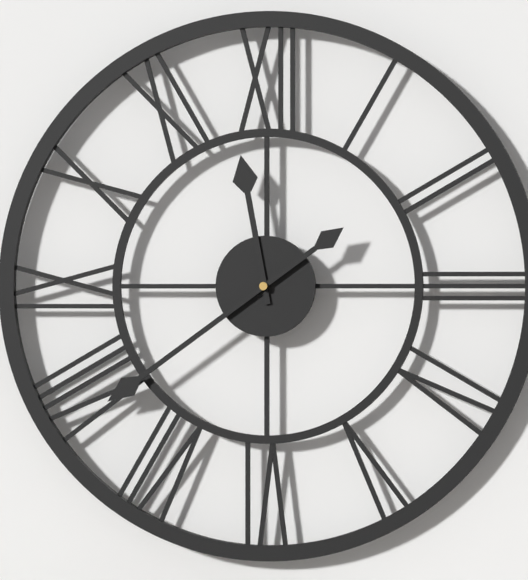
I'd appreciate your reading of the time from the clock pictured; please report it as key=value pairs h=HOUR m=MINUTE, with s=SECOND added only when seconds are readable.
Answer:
h=11 m=39
